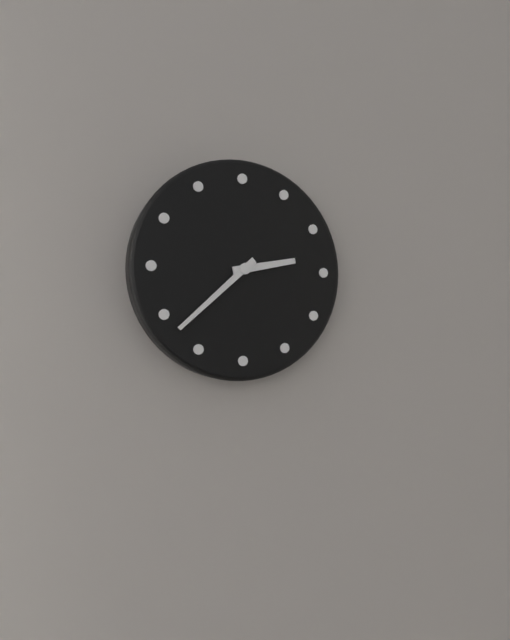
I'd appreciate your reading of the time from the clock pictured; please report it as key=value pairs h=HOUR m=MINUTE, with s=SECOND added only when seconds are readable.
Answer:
h=2 m=38
